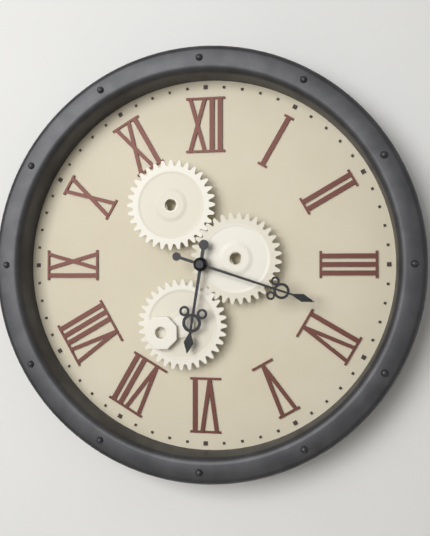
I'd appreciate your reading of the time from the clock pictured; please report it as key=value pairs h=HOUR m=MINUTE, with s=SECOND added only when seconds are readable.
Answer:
h=6 m=18
